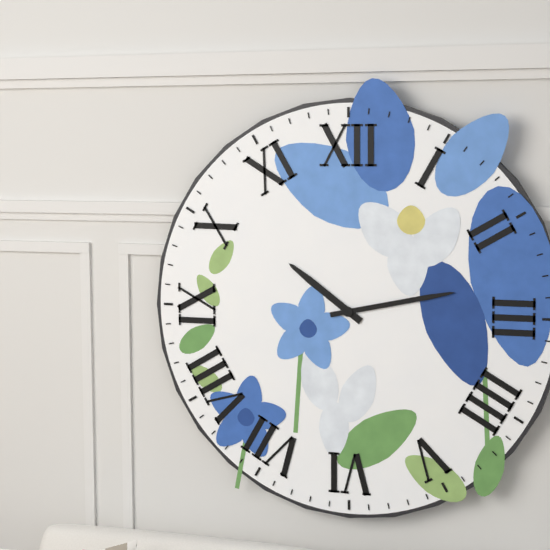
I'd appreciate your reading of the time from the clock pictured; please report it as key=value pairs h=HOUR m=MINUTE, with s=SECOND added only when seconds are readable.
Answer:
h=10 m=13
